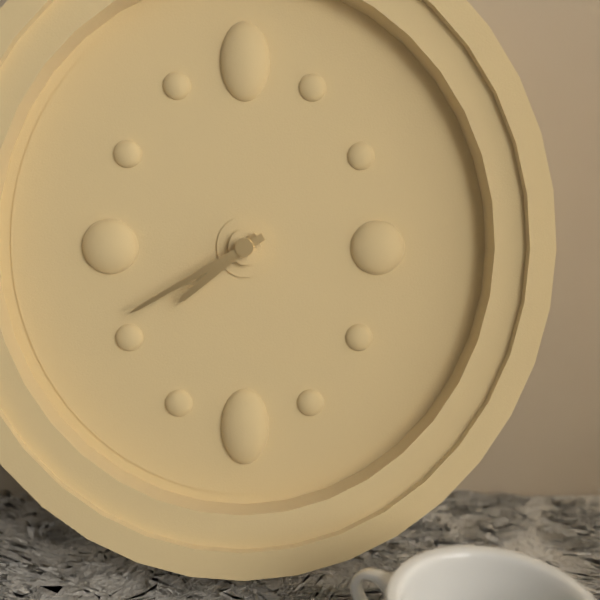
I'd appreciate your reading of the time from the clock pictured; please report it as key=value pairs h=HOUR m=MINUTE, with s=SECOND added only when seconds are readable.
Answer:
h=7 m=40
